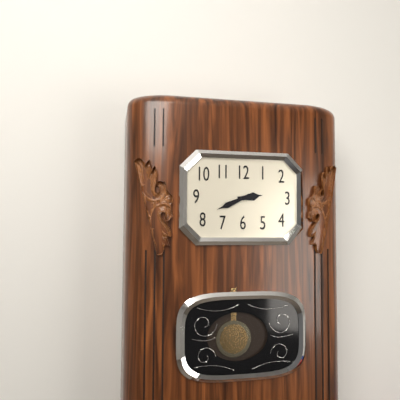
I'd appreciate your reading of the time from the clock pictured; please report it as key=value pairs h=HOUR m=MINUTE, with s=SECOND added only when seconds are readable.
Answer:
h=2 m=41
